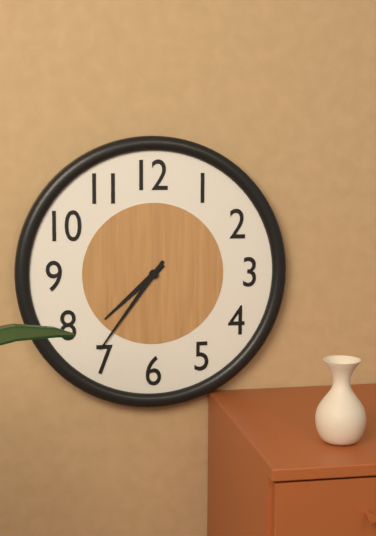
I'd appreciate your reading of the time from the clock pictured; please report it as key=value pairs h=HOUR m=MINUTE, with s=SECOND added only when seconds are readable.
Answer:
h=7 m=36
